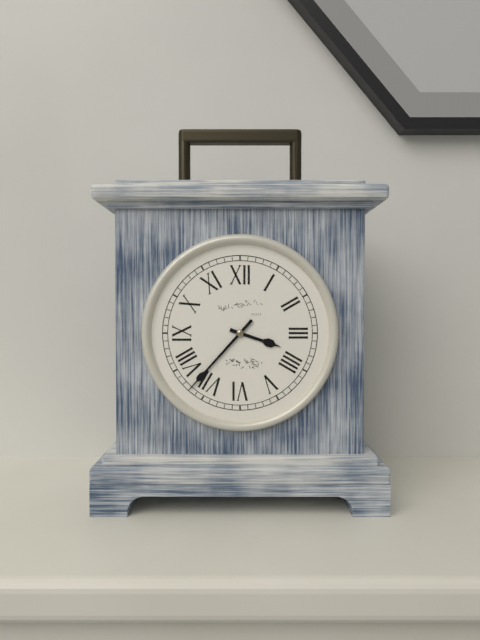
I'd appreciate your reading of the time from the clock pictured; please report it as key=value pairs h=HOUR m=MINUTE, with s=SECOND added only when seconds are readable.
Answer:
h=3 m=37
